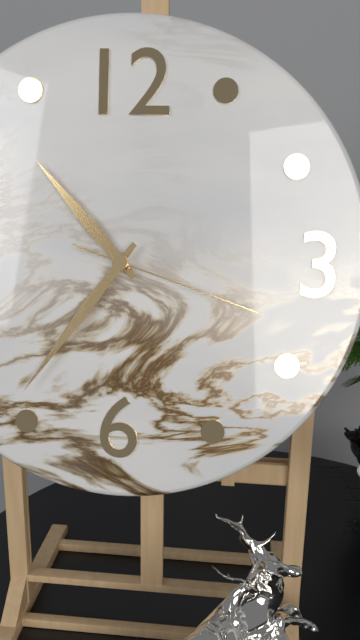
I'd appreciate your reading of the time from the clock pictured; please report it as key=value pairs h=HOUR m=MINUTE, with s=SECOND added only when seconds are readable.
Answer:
h=10 m=36 s=18
